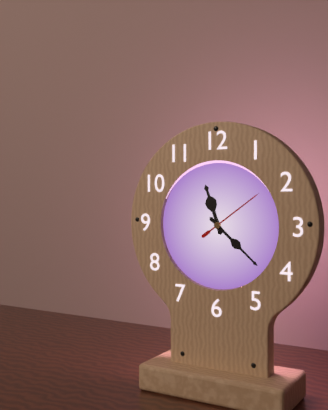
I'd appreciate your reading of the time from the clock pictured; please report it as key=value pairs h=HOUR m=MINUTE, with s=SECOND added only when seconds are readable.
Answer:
h=11 m=22 s=9
